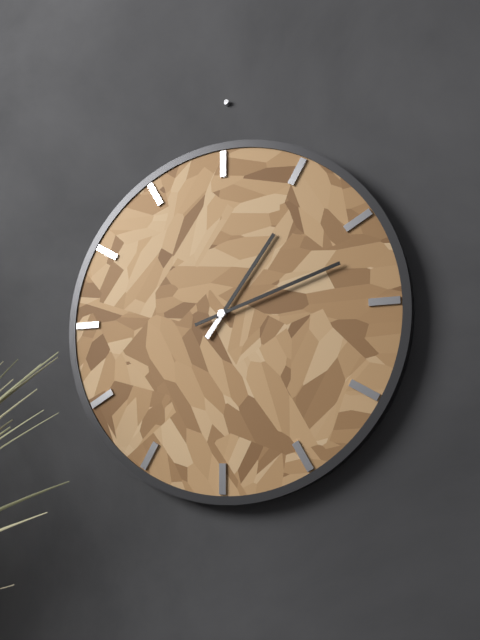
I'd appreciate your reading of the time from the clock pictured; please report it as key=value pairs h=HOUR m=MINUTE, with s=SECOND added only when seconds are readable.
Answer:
h=1 m=12
